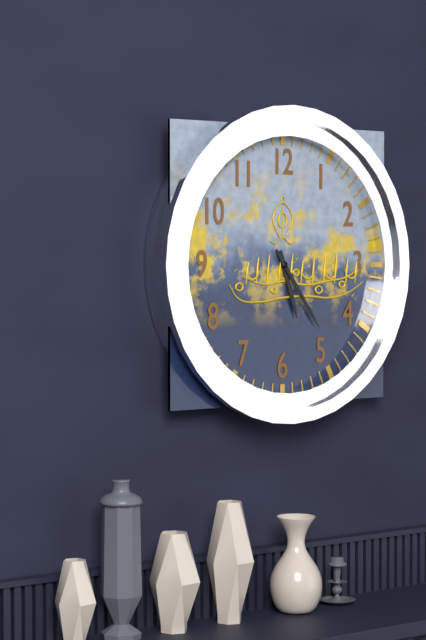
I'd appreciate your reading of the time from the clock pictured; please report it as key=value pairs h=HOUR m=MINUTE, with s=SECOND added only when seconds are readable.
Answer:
h=5 m=24
